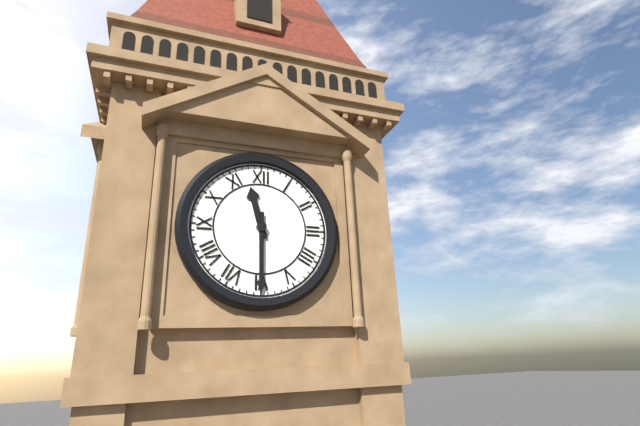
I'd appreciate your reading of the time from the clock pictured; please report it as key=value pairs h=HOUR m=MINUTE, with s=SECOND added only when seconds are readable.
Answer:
h=11 m=30
